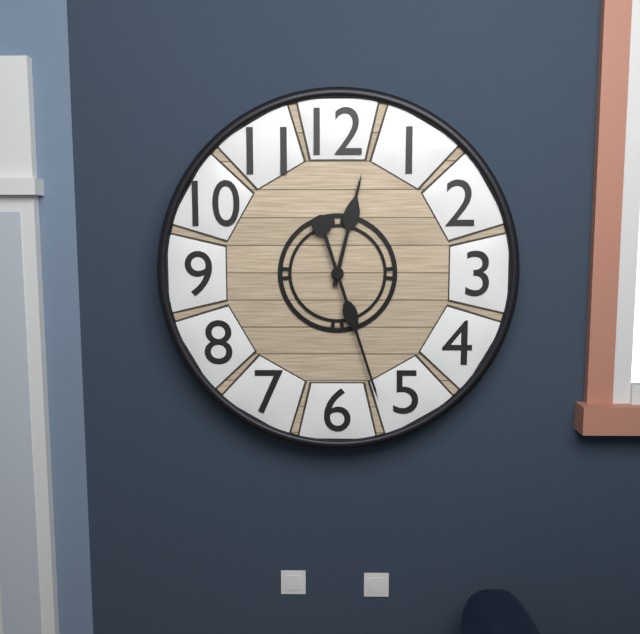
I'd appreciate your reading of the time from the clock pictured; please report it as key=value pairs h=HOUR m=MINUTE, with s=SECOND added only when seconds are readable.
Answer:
h=12 m=27
